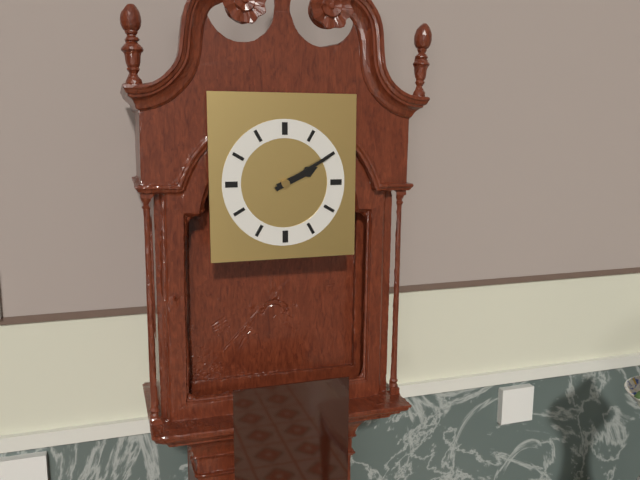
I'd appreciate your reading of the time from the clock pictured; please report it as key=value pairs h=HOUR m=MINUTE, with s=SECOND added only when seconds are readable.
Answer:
h=2 m=10
